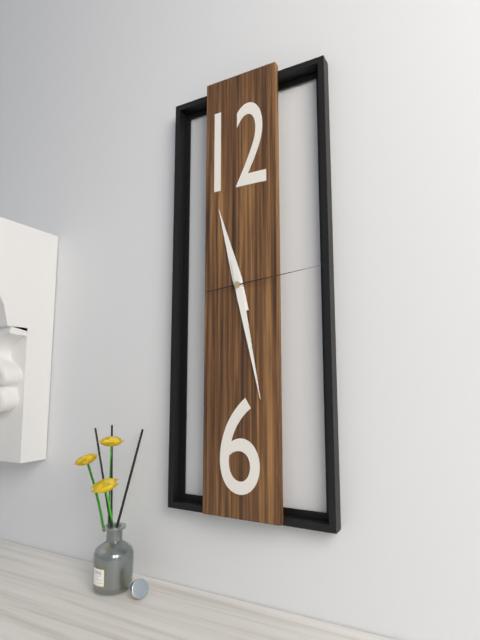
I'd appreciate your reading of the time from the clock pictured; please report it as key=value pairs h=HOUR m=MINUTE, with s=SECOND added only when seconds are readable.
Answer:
h=11 m=28 s=14
